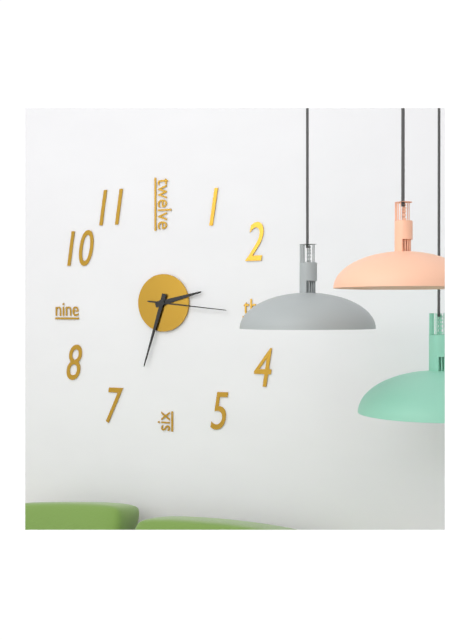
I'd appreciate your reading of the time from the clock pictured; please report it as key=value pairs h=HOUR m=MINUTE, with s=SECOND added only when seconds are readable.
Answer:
h=2 m=33 s=16
